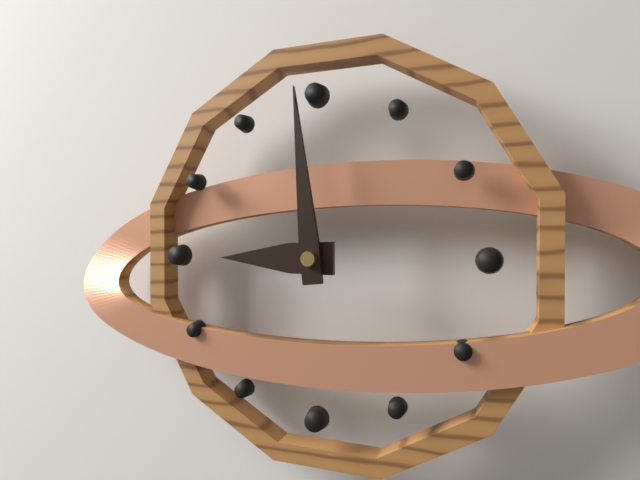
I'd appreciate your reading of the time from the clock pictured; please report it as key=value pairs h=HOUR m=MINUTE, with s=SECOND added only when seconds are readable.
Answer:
h=8 m=59
